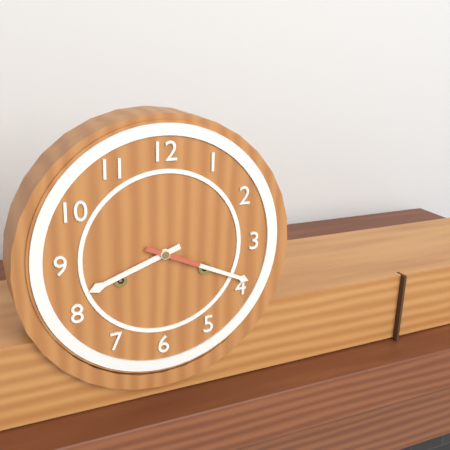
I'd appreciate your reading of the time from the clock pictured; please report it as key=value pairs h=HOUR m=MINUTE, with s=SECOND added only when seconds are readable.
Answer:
h=8 m=19
